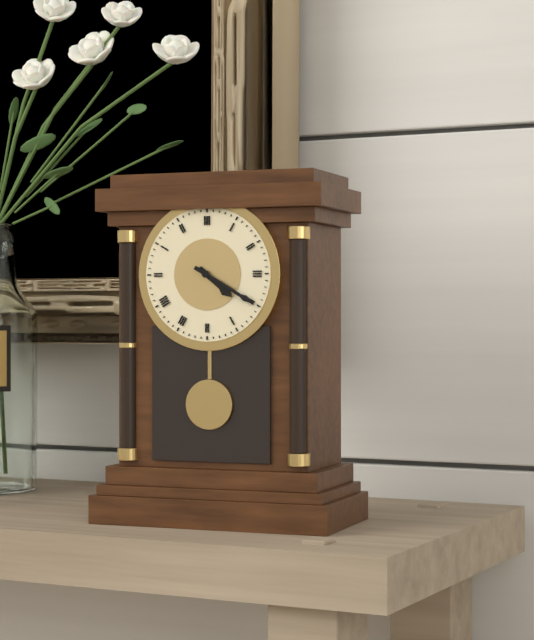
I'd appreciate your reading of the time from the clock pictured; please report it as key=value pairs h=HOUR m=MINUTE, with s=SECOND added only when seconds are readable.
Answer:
h=4 m=20
